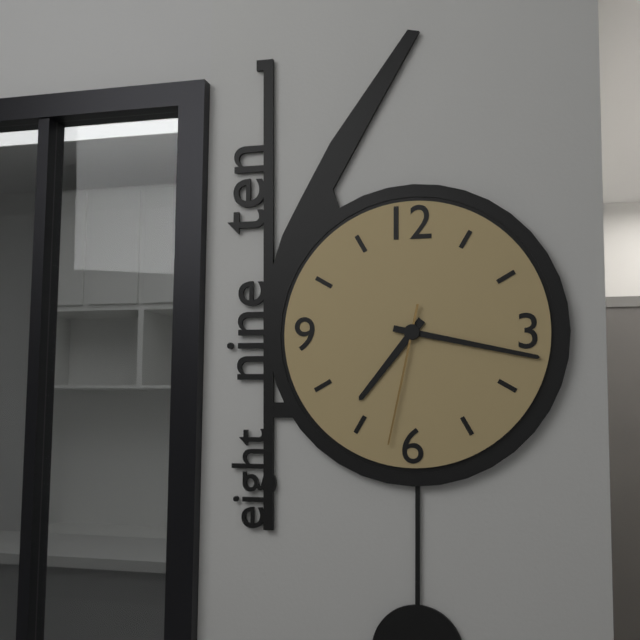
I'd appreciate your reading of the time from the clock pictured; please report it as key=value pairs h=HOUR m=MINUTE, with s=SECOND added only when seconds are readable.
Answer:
h=7 m=17 s=32
